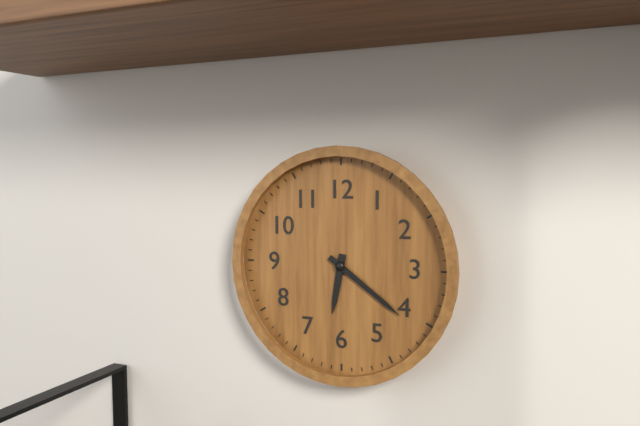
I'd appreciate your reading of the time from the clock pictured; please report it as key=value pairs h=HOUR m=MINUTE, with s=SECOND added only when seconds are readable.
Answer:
h=6 m=21
